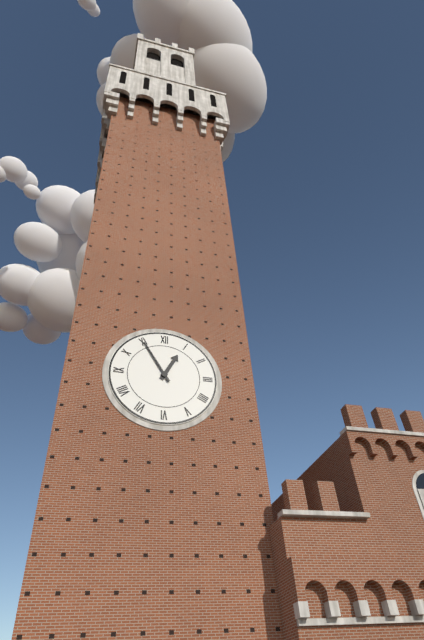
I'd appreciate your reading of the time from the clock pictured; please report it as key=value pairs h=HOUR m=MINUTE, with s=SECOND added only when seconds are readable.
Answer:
h=12 m=55
